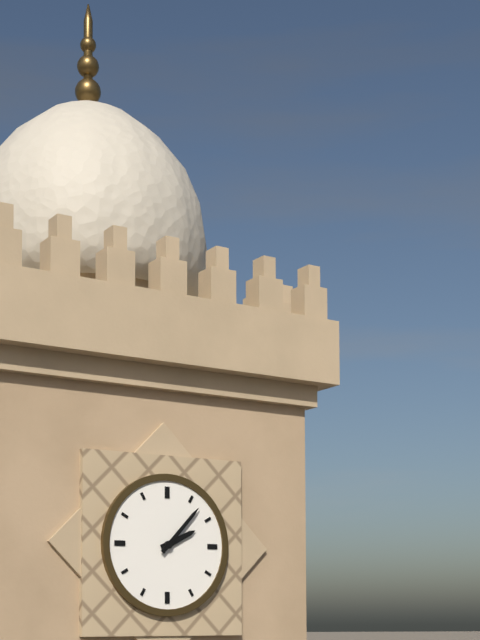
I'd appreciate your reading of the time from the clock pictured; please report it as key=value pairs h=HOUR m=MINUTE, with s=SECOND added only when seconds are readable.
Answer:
h=2 m=7
